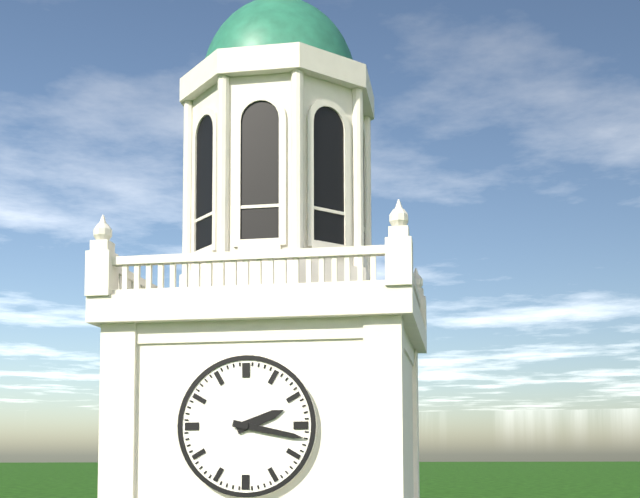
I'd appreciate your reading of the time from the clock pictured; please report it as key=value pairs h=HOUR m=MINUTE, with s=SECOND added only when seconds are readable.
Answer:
h=2 m=17
